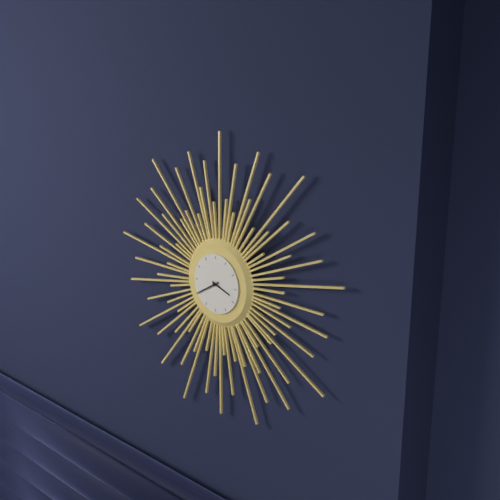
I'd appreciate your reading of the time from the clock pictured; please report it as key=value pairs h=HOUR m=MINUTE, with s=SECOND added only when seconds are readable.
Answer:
h=3 m=40
